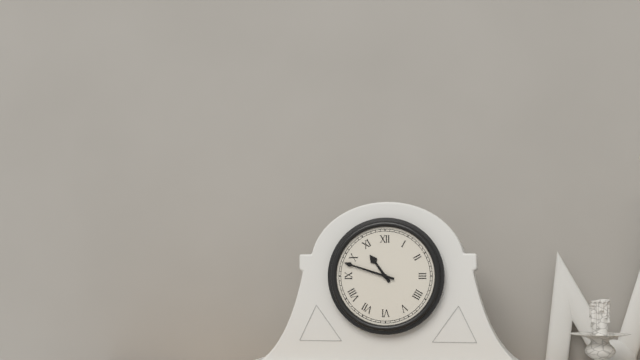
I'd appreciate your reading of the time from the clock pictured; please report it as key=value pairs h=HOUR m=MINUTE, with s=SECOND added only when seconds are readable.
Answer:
h=10 m=48
